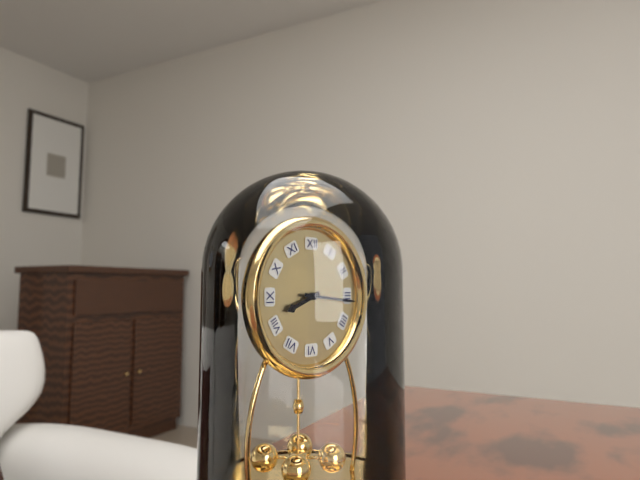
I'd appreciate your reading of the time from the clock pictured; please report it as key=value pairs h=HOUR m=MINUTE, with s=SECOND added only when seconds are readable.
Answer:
h=8 m=16
